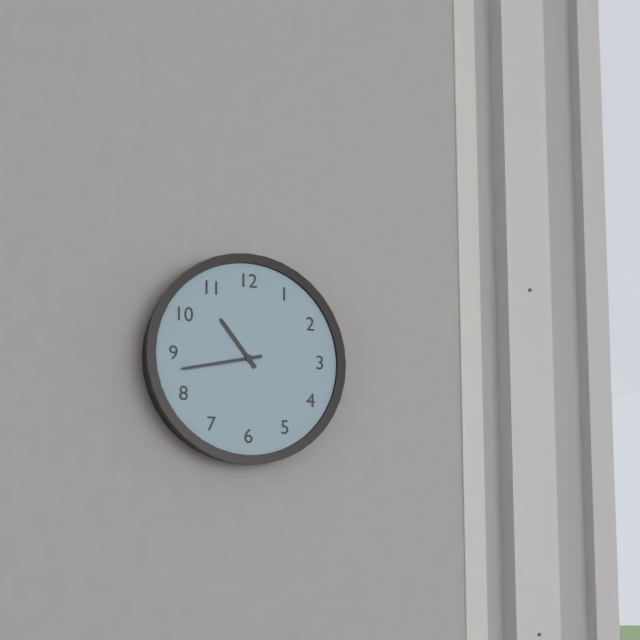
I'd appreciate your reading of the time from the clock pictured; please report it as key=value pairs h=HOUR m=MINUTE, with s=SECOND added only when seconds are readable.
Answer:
h=10 m=43
